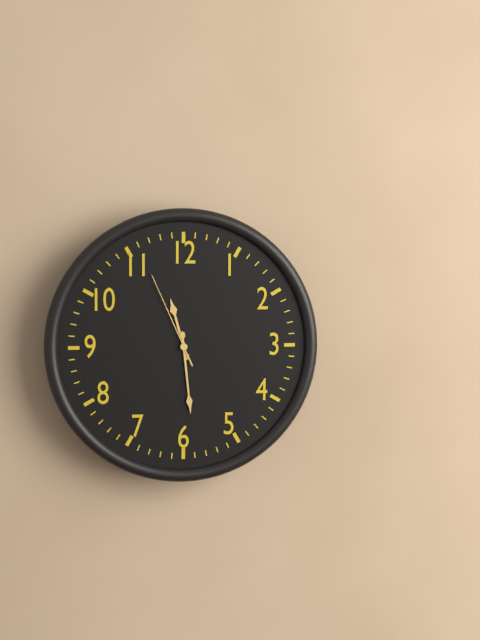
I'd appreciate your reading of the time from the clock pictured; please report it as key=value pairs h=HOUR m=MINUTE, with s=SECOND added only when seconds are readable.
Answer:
h=11 m=29 s=56
